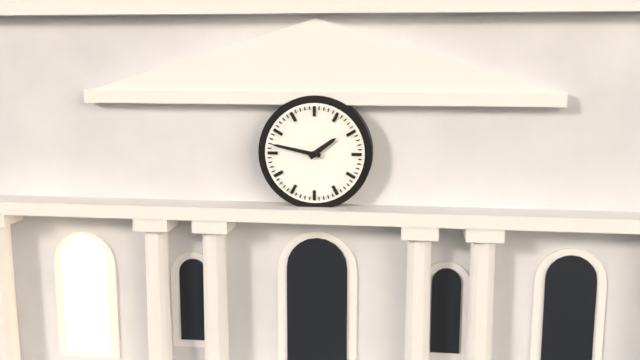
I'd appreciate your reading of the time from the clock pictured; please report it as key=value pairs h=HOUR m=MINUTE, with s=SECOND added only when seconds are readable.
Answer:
h=1 m=47
